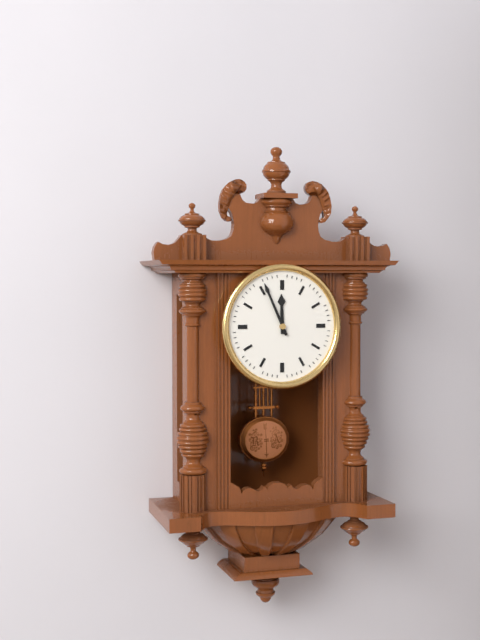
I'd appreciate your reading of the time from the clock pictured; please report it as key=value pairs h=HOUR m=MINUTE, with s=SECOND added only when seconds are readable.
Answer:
h=11 m=56
